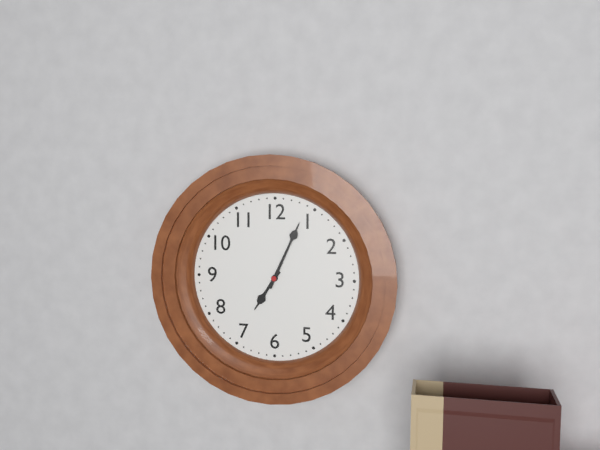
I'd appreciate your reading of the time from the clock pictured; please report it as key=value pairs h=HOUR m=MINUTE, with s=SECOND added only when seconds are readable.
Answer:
h=7 m=4
